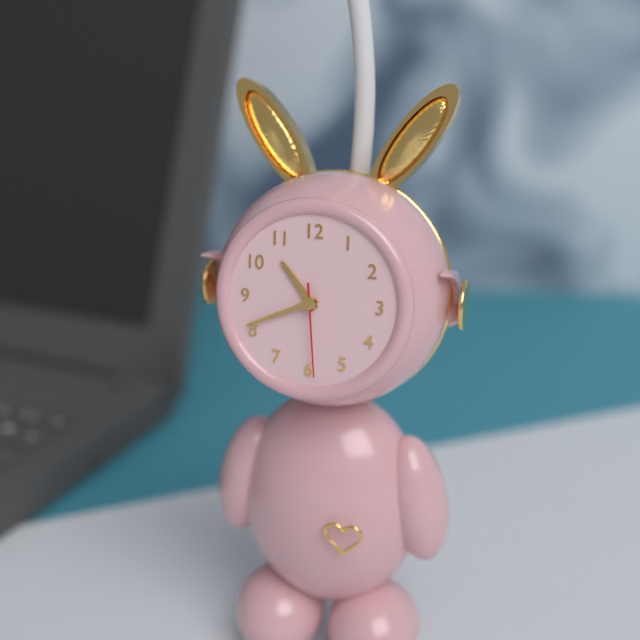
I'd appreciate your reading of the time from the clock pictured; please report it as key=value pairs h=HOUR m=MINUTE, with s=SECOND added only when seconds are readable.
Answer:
h=10 m=41 s=29
